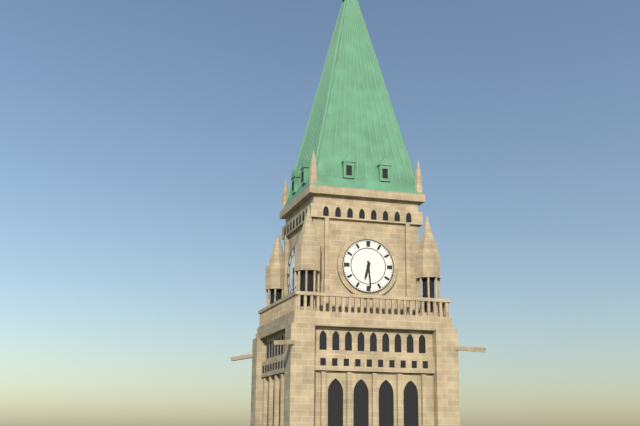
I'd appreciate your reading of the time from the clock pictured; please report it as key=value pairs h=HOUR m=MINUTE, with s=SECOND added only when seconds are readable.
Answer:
h=6 m=29
